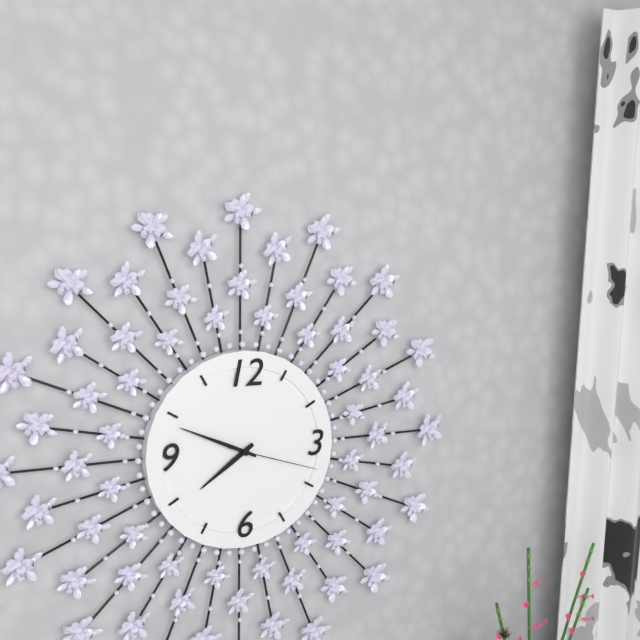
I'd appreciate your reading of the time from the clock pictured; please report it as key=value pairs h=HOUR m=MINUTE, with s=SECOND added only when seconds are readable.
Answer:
h=7 m=49 s=18
